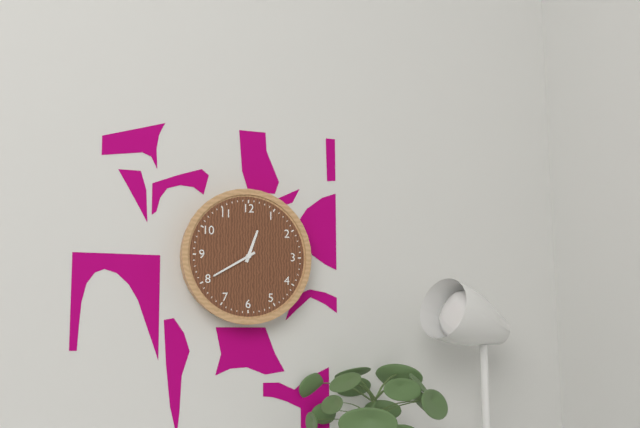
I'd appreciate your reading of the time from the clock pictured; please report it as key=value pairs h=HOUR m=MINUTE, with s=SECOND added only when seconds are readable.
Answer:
h=12 m=40
